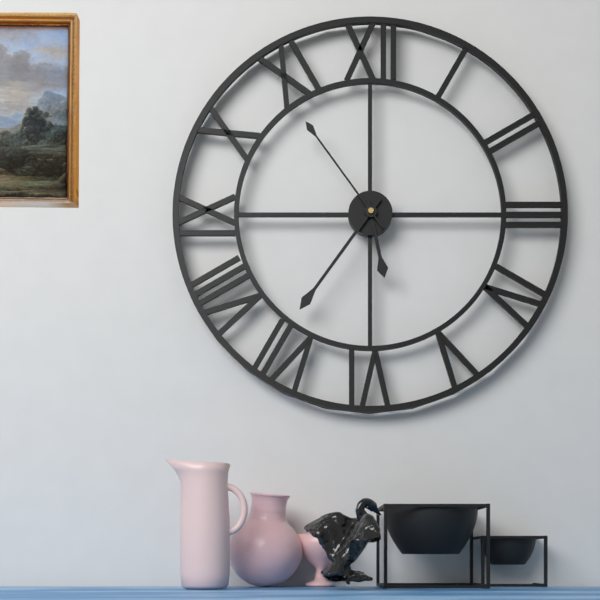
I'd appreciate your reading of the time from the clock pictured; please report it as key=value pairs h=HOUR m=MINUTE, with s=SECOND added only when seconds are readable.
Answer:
h=5 m=36 s=54
